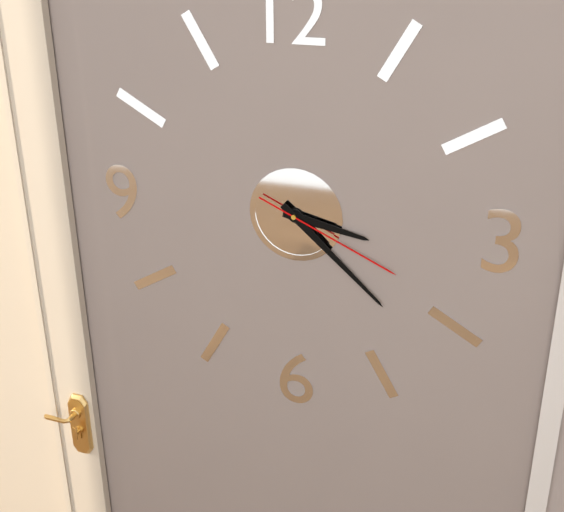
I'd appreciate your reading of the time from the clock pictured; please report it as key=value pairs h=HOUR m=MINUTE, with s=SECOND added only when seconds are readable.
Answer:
h=3 m=22 s=19
